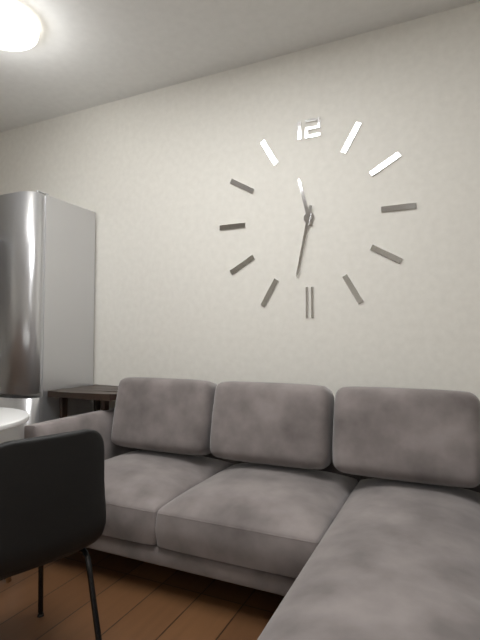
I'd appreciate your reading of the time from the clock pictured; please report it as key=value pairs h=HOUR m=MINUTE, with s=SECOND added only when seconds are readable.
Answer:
h=11 m=32
